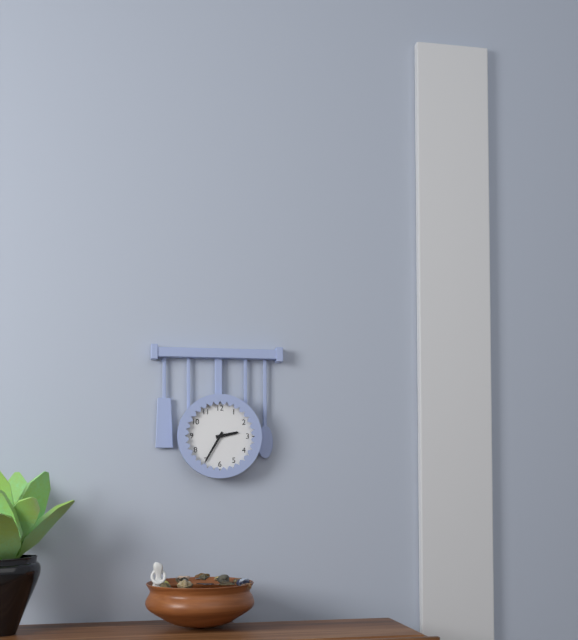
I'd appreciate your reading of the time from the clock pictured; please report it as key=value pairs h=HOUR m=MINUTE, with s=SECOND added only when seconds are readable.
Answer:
h=2 m=35
